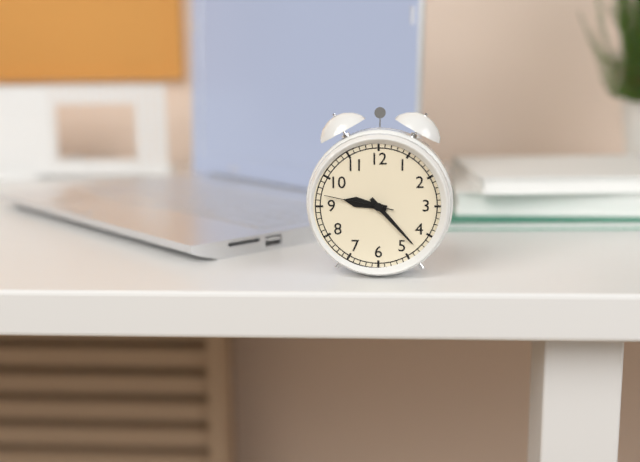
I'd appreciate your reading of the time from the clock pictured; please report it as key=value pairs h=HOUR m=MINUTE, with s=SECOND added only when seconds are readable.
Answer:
h=9 m=23 s=47
